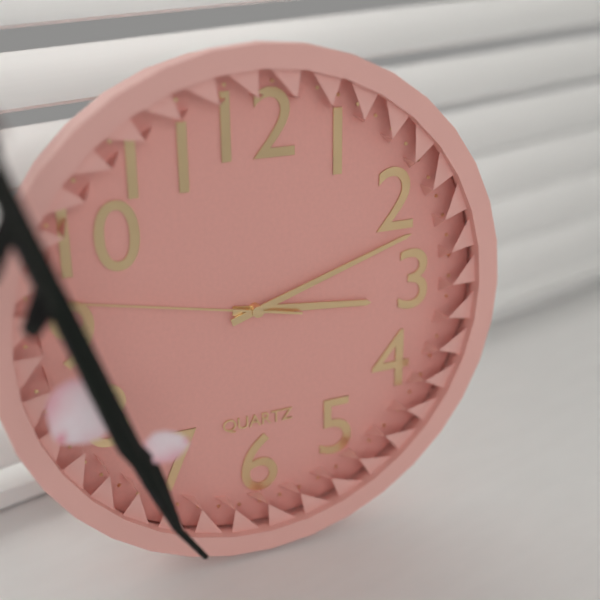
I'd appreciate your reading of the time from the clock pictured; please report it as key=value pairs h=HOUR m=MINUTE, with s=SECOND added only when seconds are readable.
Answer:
h=3 m=12 s=47
